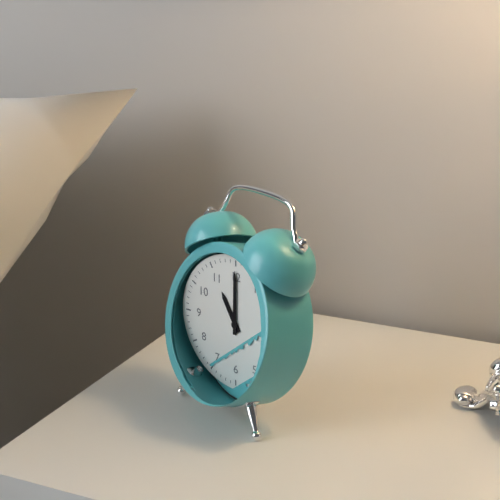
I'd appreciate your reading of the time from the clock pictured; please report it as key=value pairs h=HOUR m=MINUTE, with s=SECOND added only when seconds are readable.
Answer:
h=11 m=0
